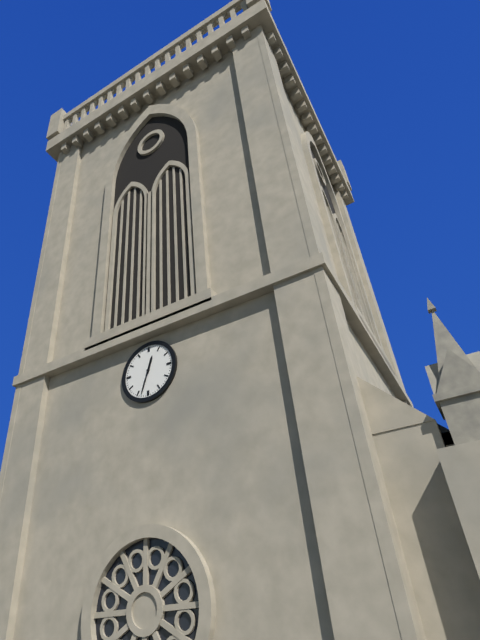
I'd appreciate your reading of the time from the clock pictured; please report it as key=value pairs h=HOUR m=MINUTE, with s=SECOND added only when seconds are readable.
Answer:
h=12 m=33
